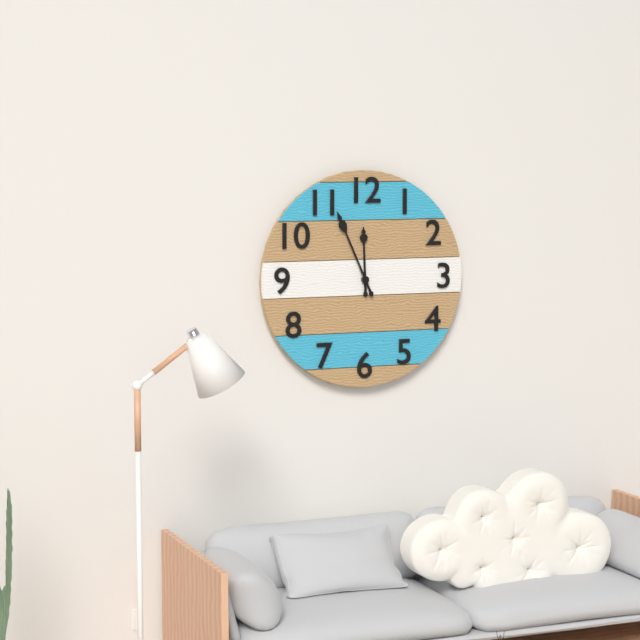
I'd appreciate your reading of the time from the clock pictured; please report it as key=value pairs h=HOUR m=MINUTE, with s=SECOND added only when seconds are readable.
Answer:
h=11 m=56
